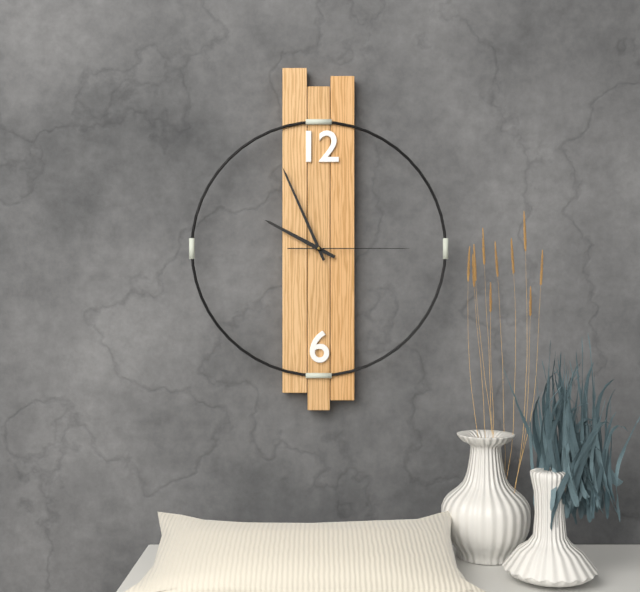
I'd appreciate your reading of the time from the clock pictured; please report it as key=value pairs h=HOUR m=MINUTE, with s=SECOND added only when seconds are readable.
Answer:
h=9 m=56 s=15
